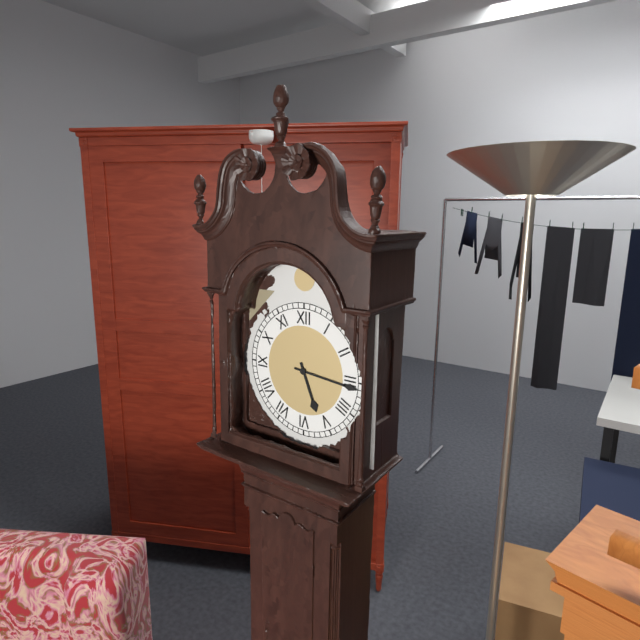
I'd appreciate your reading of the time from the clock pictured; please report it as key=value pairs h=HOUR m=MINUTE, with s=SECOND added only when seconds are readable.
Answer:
h=5 m=16
